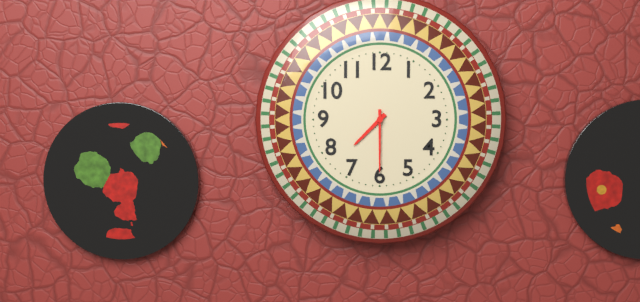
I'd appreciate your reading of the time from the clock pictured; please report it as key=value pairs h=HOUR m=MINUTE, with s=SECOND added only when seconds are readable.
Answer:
h=7 m=30
